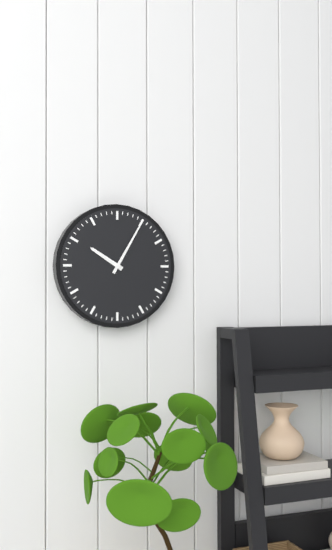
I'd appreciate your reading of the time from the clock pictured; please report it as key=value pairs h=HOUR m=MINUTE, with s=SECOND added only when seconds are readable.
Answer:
h=10 m=5
